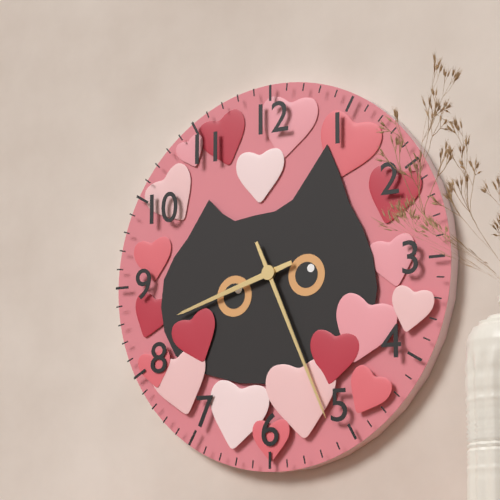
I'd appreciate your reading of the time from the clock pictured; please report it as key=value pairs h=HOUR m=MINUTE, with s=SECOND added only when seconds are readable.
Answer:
h=8 m=26
